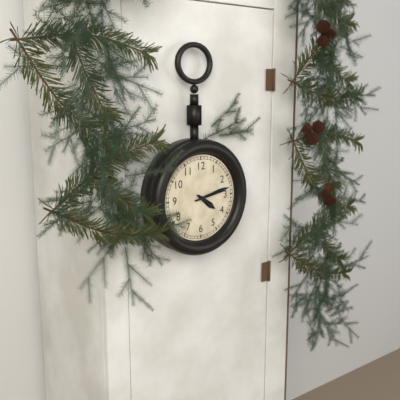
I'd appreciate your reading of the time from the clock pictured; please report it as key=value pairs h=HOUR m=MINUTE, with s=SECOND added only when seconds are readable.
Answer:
h=4 m=13
